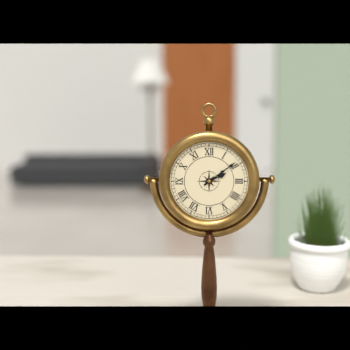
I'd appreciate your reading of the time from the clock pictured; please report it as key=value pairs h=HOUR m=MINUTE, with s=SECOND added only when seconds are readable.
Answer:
h=2 m=9
